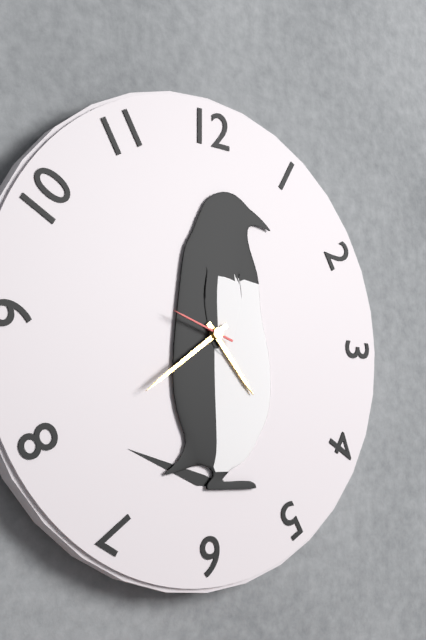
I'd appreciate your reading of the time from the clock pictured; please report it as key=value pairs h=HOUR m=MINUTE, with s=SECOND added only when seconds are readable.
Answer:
h=4 m=39 s=48
